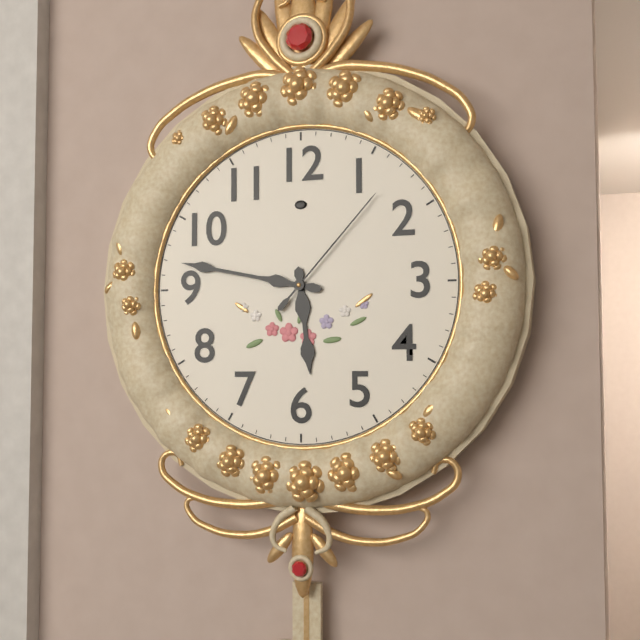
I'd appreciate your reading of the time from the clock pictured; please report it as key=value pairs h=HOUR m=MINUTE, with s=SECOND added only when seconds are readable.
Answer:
h=5 m=47 s=7
